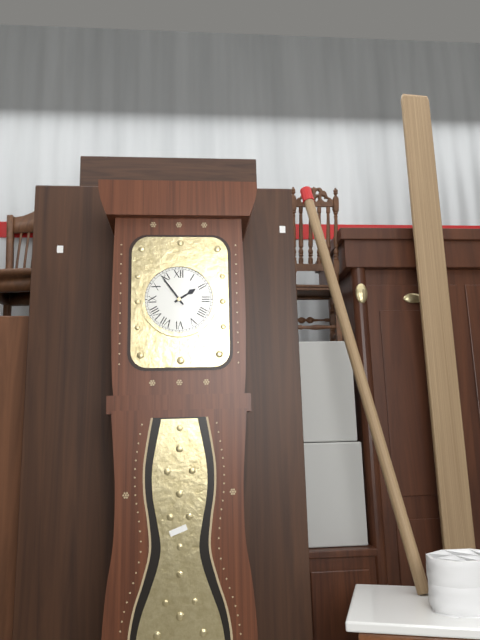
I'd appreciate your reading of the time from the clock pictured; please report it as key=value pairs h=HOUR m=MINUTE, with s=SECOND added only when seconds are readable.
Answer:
h=1 m=54
